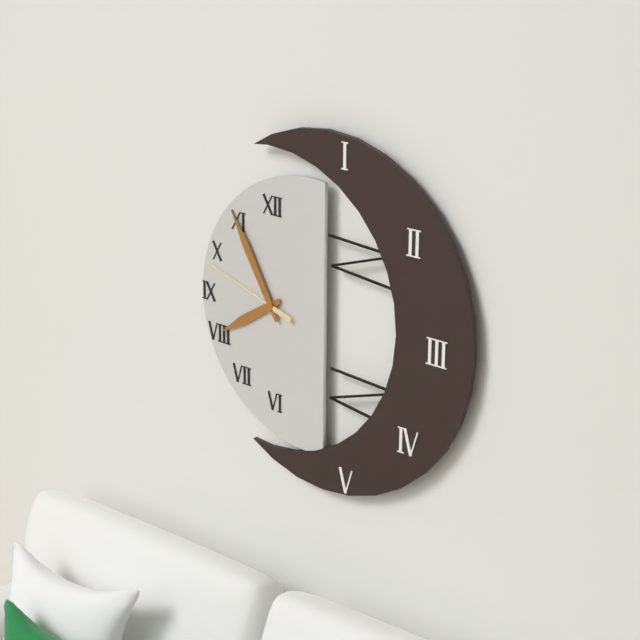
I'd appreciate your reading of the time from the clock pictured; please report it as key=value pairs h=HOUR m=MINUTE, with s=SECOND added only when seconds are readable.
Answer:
h=7 m=55 s=48
